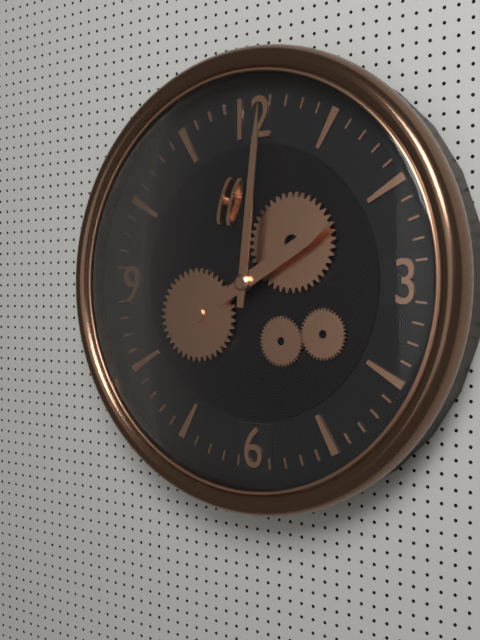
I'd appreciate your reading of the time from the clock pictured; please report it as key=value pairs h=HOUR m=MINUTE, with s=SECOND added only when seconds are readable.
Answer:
h=2 m=1
